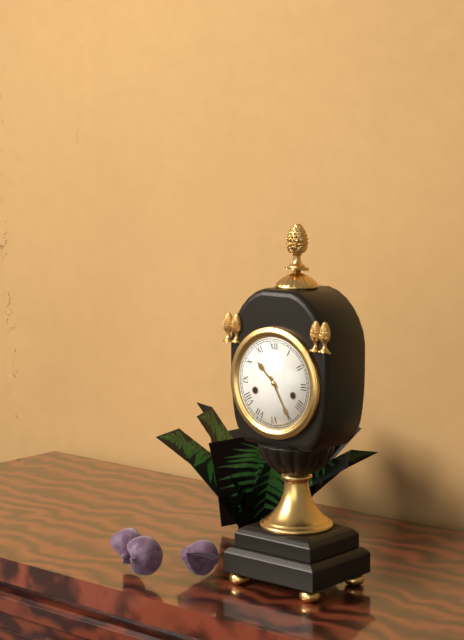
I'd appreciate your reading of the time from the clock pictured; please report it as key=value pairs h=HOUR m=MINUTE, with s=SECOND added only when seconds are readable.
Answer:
h=10 m=25
